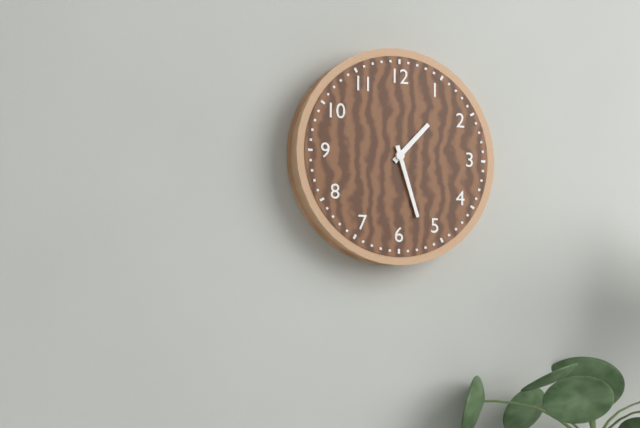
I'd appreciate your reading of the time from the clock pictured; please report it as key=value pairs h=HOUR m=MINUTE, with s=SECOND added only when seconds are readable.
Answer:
h=1 m=27
